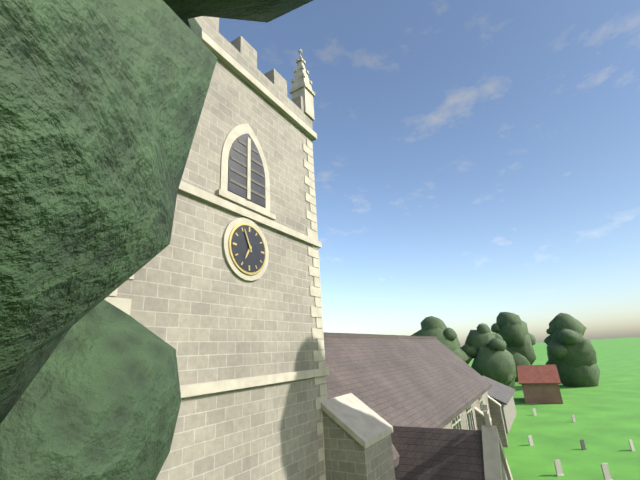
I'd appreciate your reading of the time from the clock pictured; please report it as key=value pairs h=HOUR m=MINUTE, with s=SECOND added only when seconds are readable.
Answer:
h=6 m=56
